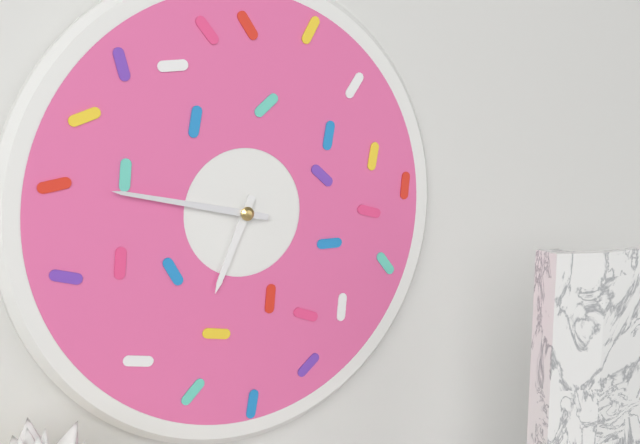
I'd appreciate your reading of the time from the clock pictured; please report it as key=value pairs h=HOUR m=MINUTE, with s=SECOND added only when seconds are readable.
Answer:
h=6 m=47
